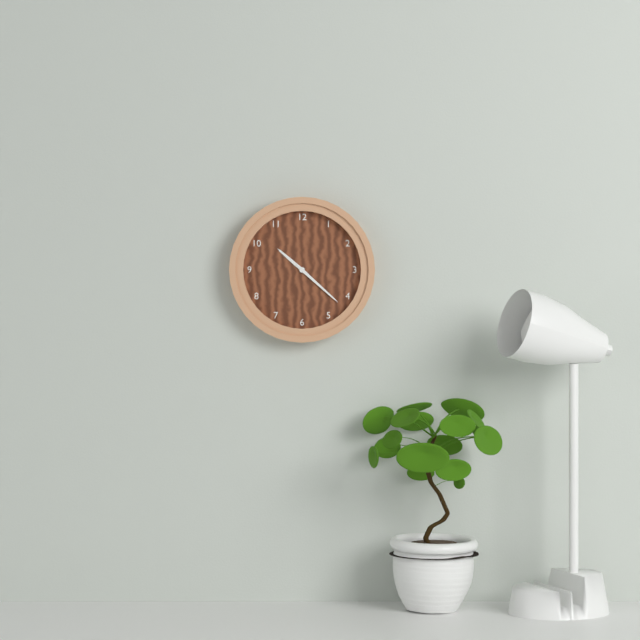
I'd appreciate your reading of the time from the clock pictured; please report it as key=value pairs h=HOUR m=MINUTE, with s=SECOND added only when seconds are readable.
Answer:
h=10 m=22
